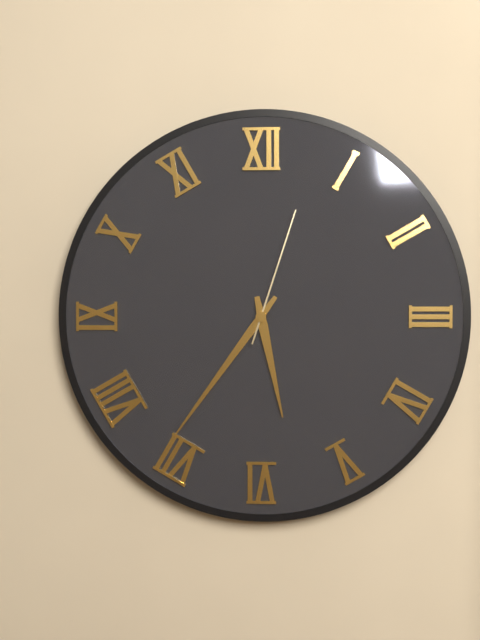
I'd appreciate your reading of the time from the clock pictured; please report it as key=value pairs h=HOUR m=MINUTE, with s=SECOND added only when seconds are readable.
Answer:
h=5 m=36 s=3
